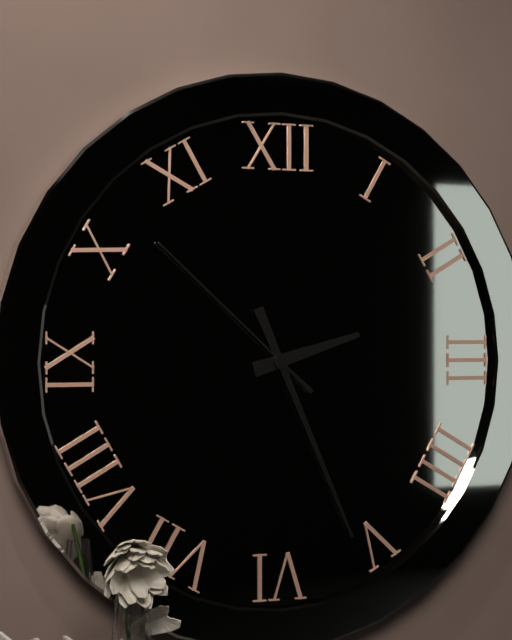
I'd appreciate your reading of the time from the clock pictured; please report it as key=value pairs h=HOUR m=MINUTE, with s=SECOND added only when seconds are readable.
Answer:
h=2 m=26 s=52
